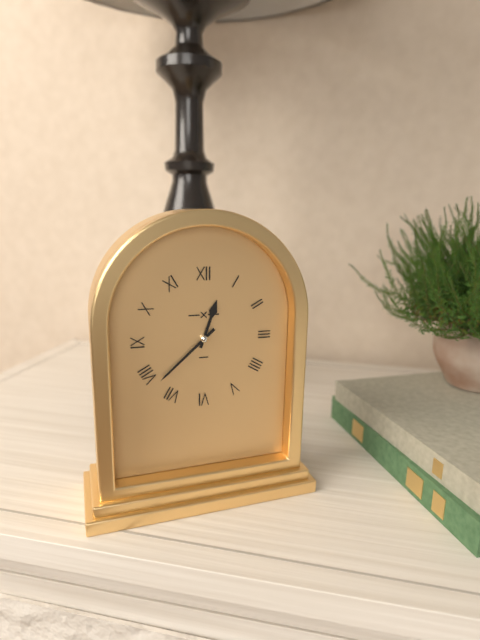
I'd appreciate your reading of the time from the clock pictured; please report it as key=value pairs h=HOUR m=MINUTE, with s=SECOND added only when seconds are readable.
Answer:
h=12 m=38
